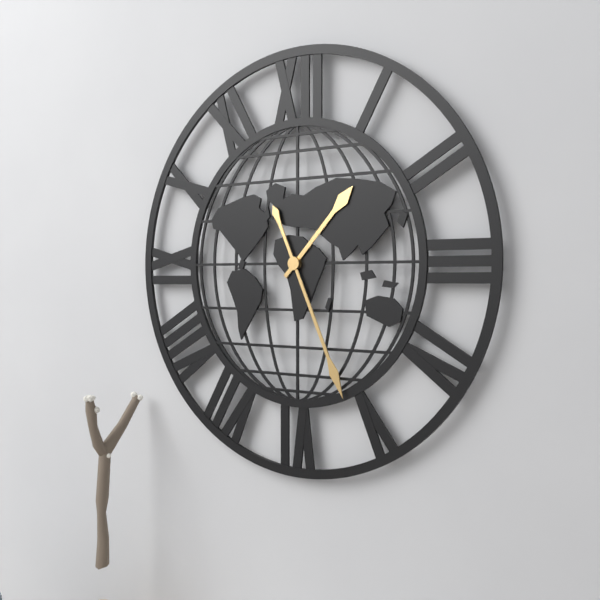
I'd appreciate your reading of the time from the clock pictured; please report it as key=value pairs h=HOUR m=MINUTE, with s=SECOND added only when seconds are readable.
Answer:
h=1 m=26
